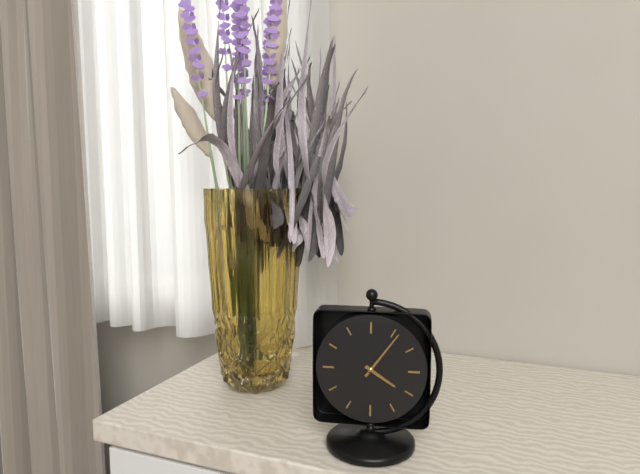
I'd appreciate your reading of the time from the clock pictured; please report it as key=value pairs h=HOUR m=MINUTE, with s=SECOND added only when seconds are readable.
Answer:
h=4 m=6
